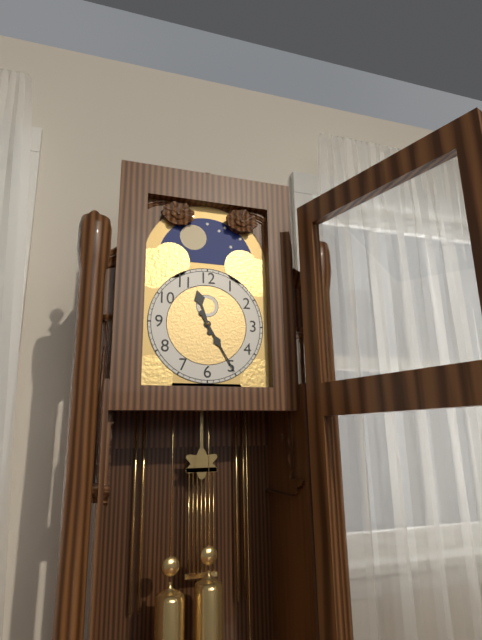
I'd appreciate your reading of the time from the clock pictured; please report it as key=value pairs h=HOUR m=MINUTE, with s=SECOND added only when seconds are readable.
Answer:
h=11 m=25
